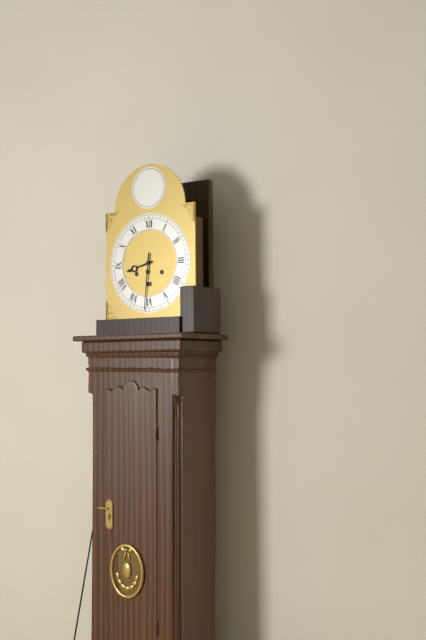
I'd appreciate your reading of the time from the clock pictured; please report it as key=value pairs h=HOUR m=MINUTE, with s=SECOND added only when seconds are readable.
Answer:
h=8 m=31
